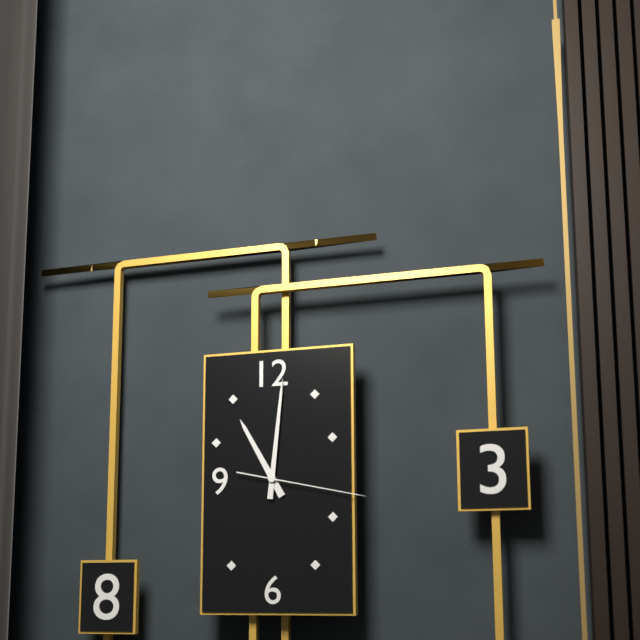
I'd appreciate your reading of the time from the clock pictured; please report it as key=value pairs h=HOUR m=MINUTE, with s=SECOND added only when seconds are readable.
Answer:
h=11 m=1 s=17
